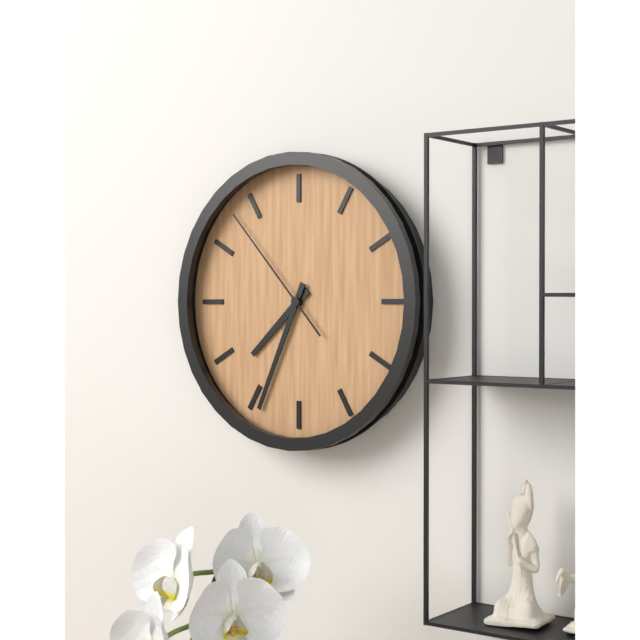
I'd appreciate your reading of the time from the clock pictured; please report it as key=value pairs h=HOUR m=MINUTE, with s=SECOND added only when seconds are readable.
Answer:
h=7 m=34 s=53
